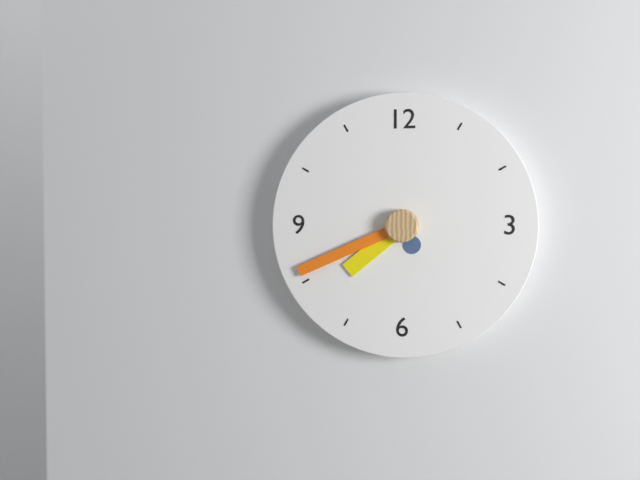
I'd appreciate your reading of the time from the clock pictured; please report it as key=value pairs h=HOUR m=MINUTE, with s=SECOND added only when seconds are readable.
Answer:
h=7 m=41
